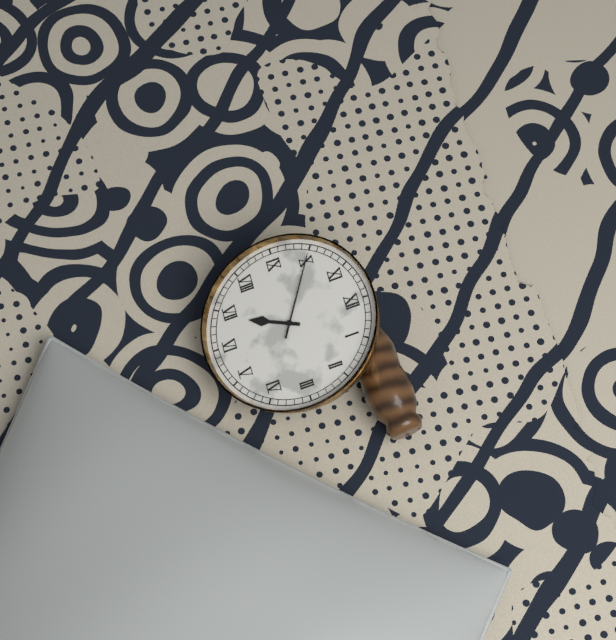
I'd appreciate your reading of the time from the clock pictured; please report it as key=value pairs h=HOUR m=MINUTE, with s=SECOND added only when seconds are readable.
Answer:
h=6 m=50
